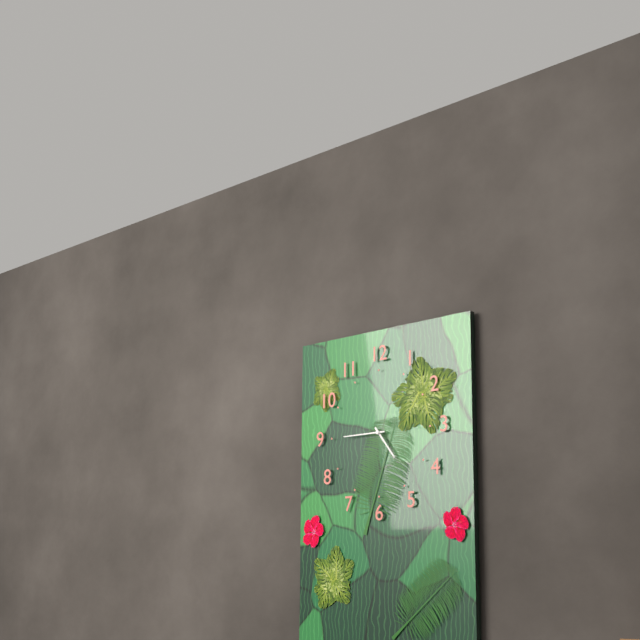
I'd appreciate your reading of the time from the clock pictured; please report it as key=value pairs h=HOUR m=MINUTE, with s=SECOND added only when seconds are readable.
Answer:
h=4 m=45
